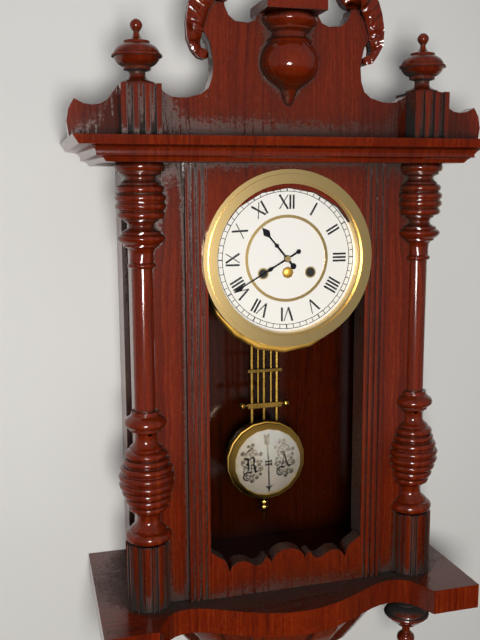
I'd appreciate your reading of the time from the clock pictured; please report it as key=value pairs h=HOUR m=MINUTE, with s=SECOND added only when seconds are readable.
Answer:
h=10 m=40
